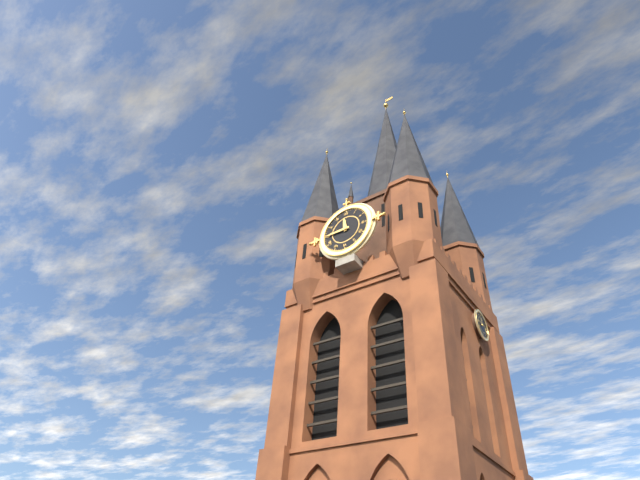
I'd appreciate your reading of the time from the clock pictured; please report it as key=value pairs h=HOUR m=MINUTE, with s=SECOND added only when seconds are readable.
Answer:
h=11 m=45
